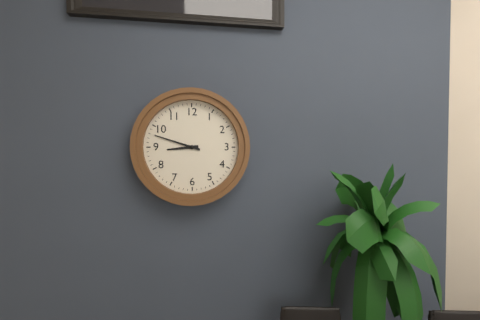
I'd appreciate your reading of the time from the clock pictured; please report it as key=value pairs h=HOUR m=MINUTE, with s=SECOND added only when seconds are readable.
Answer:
h=8 m=48
